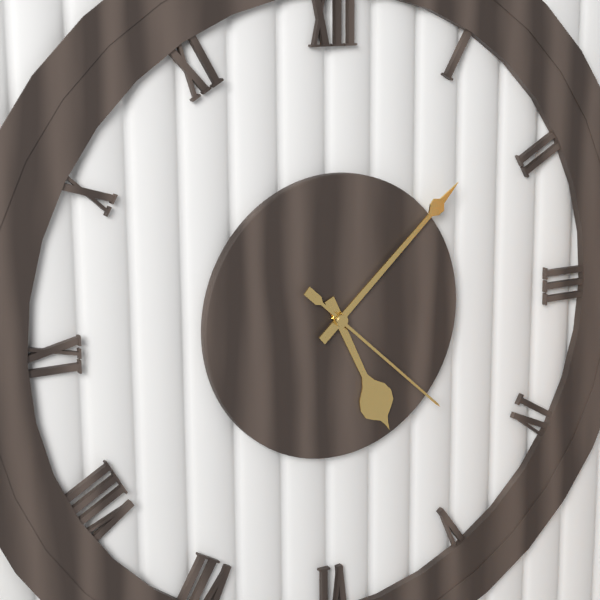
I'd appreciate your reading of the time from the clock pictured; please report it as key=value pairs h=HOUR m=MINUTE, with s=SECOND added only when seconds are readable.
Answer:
h=5 m=8 s=22
